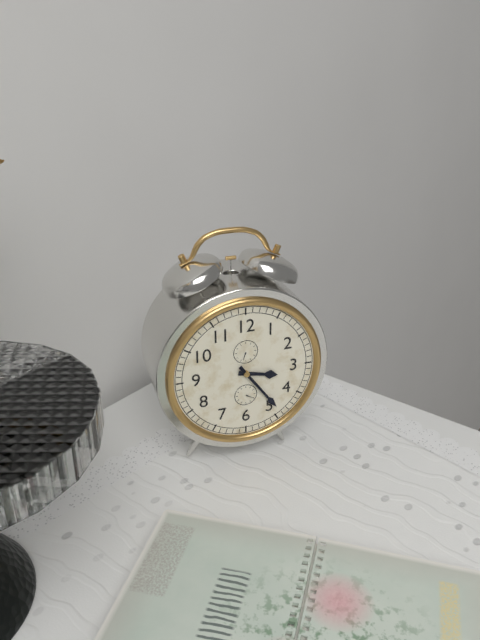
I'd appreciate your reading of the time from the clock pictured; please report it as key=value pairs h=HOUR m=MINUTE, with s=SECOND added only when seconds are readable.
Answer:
h=3 m=24
